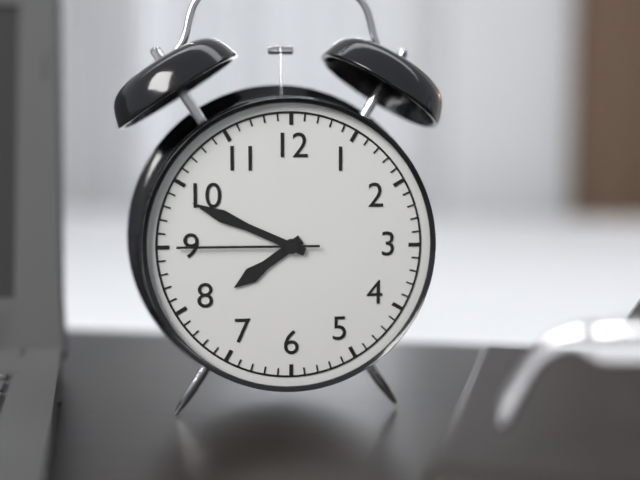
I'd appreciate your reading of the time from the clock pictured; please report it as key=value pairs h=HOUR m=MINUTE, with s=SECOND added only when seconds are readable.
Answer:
h=7 m=49 s=45
